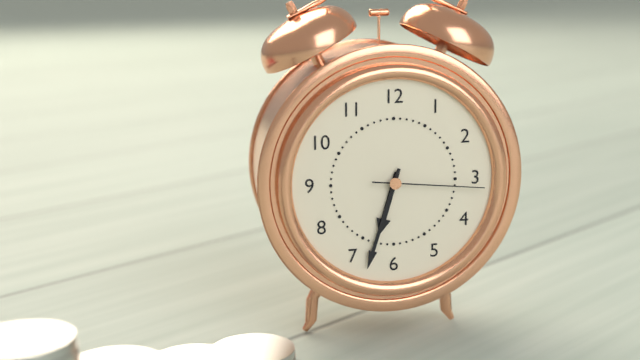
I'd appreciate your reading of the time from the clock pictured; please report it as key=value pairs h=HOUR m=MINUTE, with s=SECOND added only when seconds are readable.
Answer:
h=6 m=33 s=16
